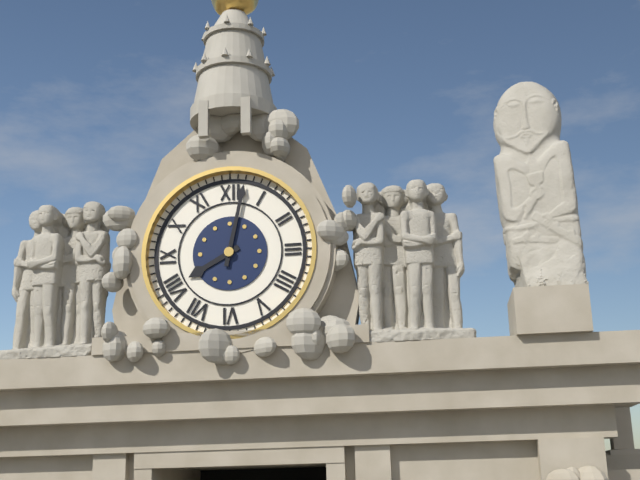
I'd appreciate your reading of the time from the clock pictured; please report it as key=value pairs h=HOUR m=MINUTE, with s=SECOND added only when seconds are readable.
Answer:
h=8 m=2
